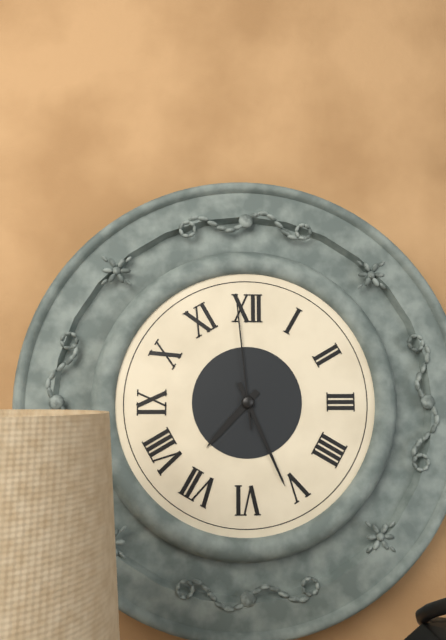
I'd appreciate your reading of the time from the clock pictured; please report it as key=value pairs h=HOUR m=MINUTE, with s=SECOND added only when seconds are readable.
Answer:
h=7 m=26 s=59
